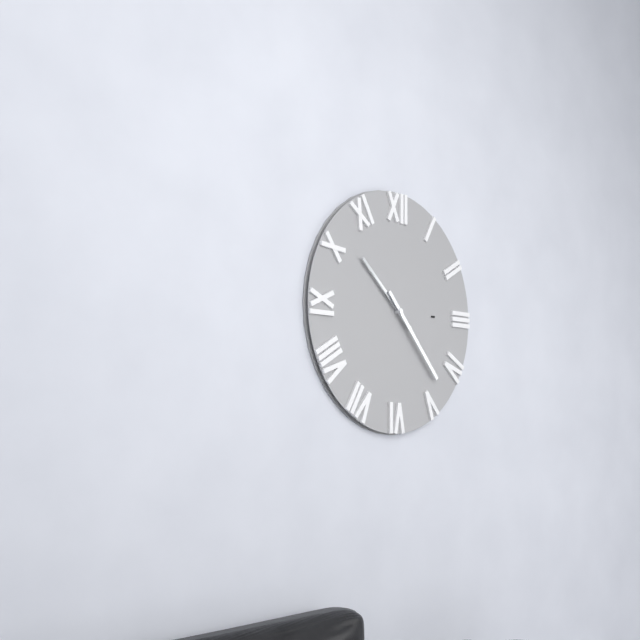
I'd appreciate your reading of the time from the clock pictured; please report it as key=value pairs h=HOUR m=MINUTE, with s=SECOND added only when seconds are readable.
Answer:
h=10 m=23
